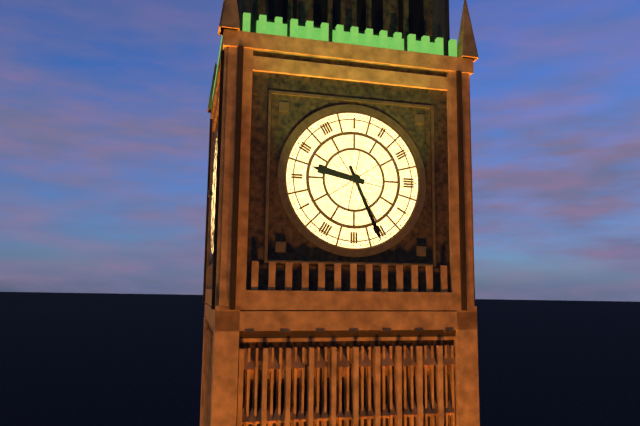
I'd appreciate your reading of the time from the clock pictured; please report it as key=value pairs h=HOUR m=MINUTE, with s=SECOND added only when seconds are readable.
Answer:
h=9 m=26
